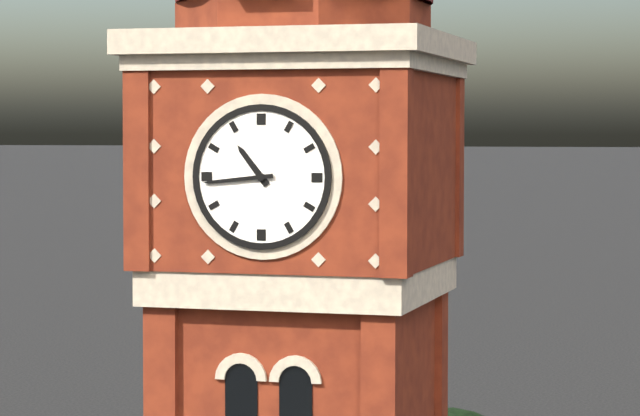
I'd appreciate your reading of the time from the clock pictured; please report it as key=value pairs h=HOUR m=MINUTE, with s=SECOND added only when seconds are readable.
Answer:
h=10 m=44
